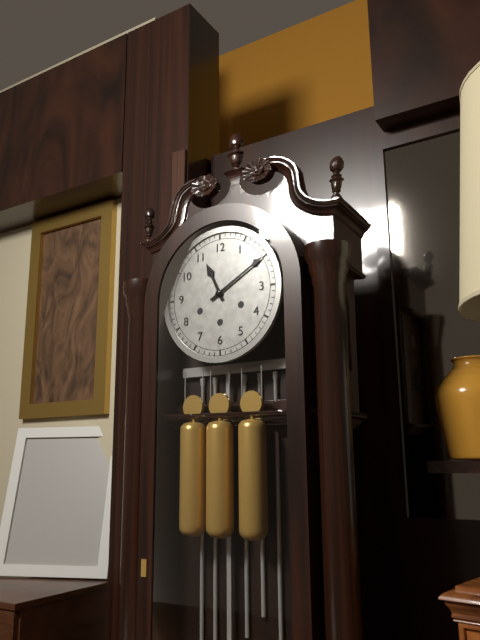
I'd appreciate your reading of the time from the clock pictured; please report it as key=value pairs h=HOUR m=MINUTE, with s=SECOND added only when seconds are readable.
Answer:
h=11 m=10
